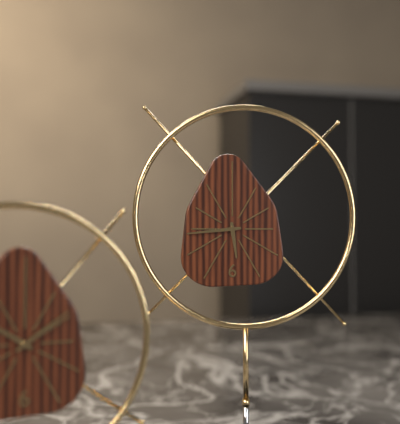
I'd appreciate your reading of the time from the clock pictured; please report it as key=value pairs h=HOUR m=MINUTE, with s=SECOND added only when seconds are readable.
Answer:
h=5 m=44
